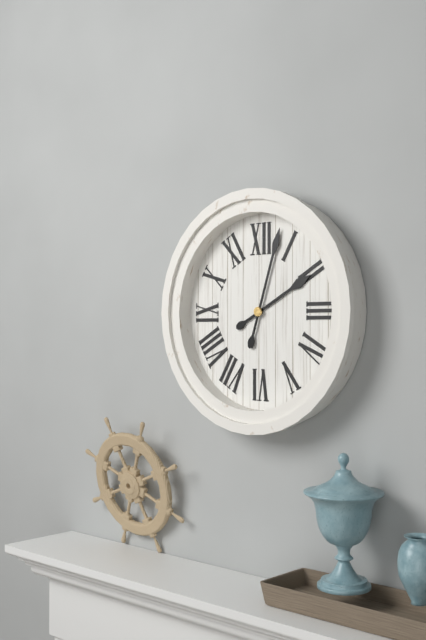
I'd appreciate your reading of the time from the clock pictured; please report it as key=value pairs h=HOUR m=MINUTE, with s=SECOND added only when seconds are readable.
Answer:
h=2 m=3
